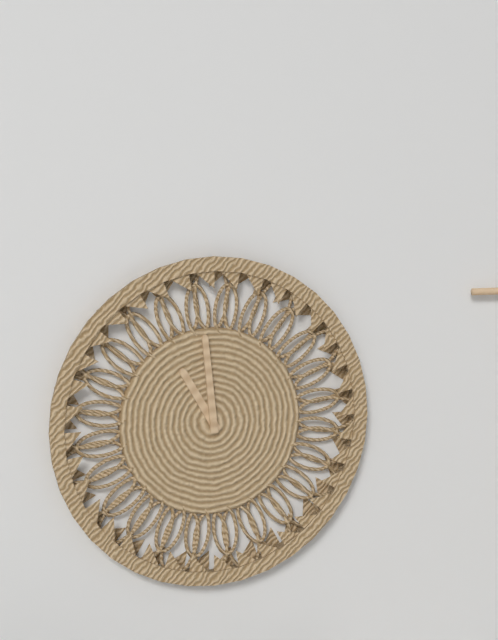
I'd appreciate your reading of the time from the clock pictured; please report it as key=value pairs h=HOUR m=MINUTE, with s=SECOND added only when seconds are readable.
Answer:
h=10 m=59
